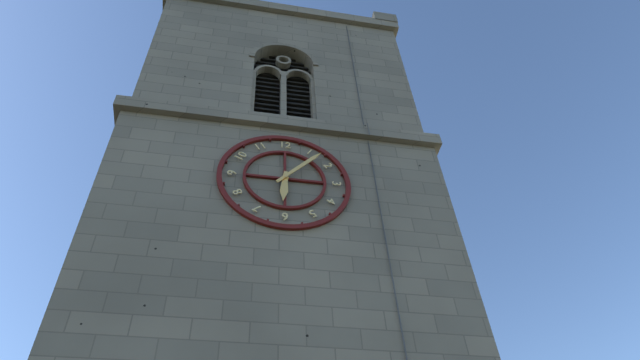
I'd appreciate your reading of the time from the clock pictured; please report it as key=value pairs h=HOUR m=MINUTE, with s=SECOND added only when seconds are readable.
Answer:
h=6 m=7
